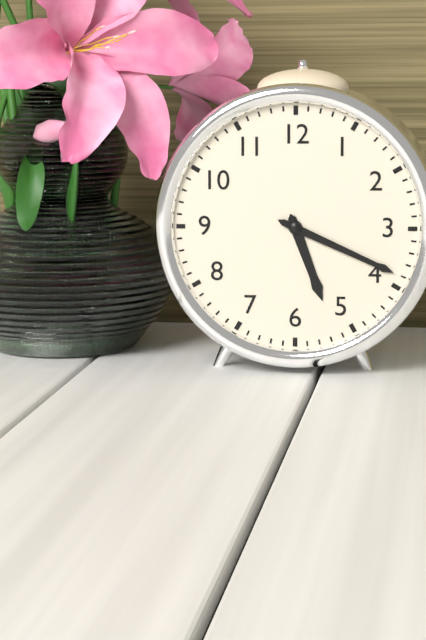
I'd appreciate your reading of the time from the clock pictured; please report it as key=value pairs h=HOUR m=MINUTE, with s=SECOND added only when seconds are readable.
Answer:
h=5 m=19
